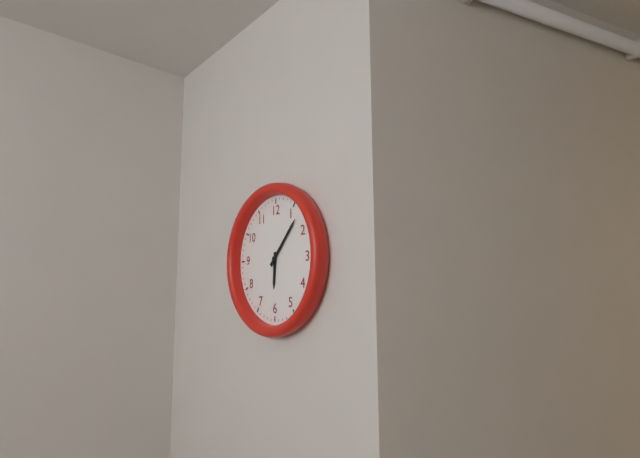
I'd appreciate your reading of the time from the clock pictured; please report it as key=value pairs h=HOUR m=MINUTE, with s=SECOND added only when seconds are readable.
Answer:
h=6 m=7
